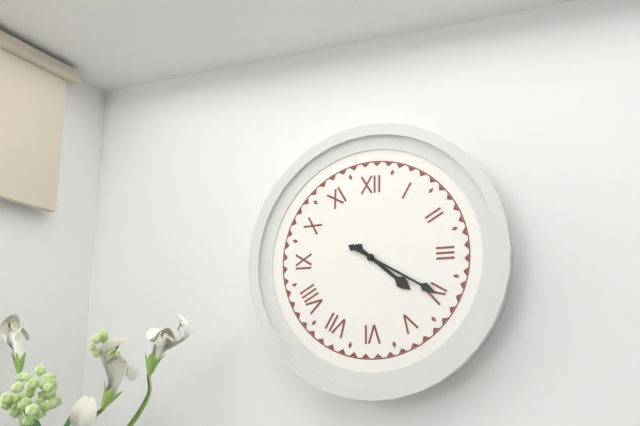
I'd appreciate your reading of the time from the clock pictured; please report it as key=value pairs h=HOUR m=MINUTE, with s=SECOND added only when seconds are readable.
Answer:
h=4 m=20
